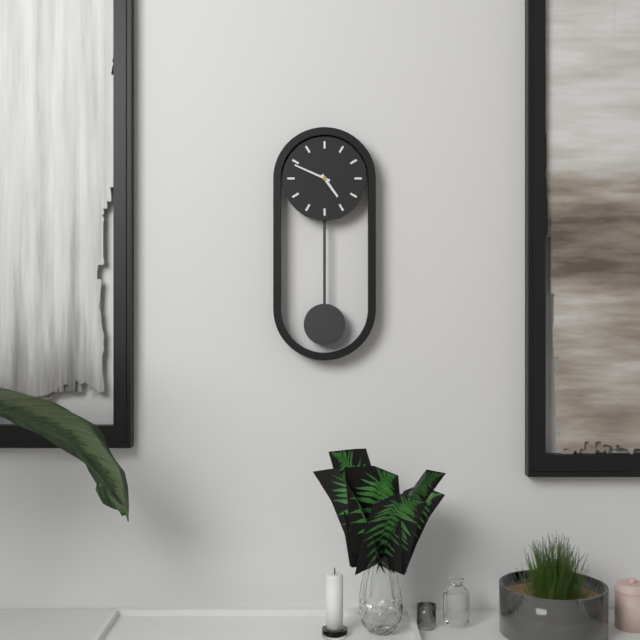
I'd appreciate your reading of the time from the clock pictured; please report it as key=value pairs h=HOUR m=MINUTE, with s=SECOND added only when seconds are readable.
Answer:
h=4 m=49
